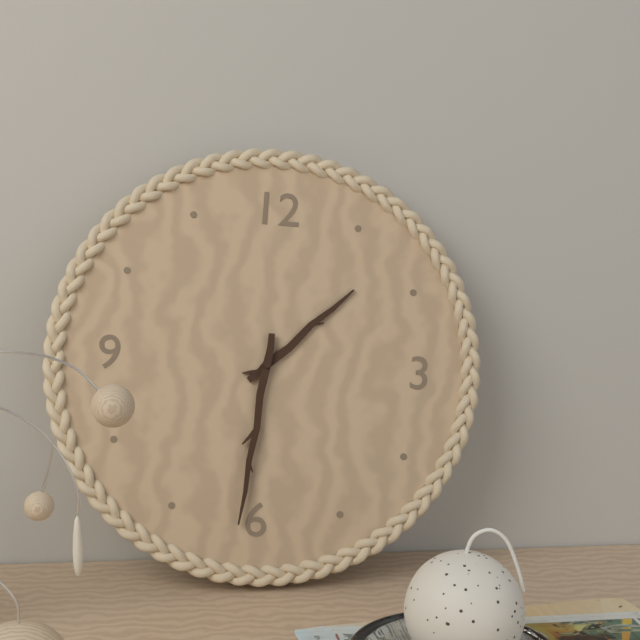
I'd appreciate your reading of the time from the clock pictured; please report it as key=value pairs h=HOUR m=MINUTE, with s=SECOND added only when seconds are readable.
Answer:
h=1 m=31
